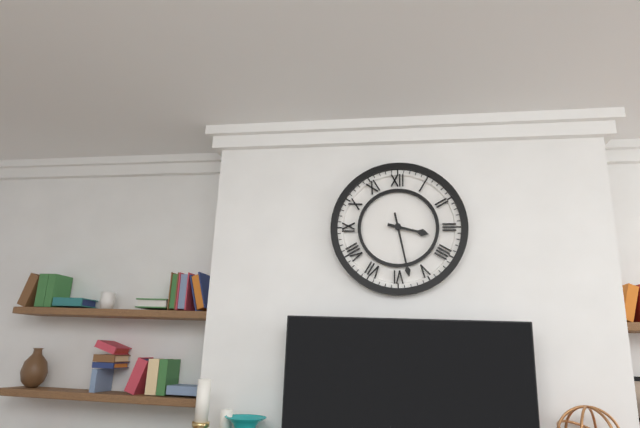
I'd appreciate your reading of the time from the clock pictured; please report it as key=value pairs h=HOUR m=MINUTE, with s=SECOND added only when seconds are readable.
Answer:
h=3 m=28
